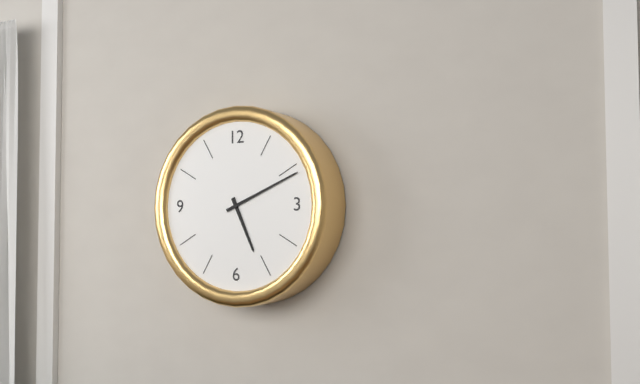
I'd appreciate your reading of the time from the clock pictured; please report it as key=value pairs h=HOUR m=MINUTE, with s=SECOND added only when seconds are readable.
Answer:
h=5 m=11
